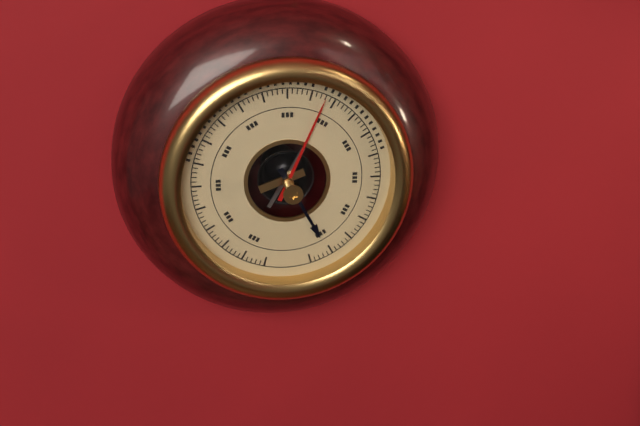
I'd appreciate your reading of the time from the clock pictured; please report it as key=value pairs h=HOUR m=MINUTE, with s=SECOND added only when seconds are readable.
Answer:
h=5 m=4
